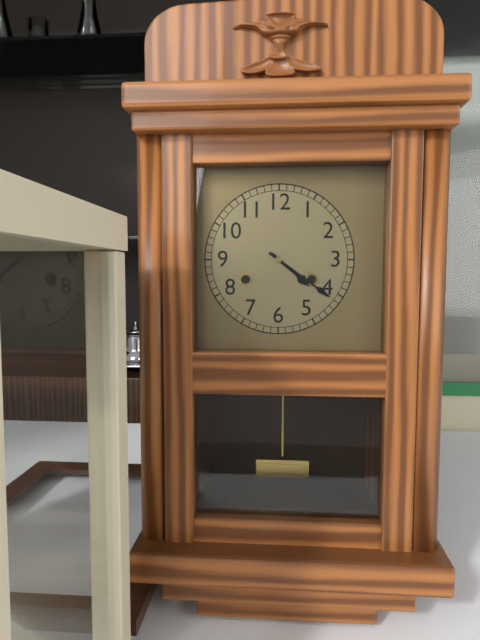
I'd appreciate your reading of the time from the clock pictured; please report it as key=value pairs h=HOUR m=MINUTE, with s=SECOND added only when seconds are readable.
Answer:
h=4 m=21
